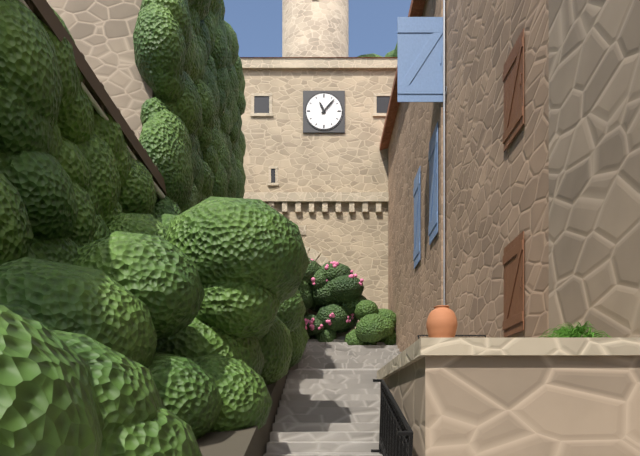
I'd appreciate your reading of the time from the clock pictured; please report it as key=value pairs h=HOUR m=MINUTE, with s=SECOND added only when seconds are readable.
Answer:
h=11 m=7
